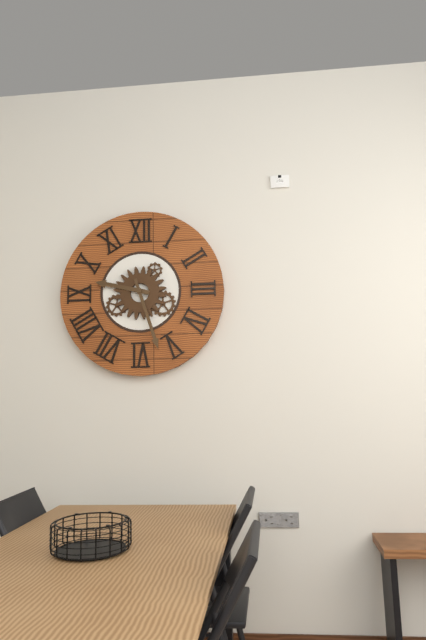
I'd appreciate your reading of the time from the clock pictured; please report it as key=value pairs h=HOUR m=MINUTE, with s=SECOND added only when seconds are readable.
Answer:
h=9 m=27
